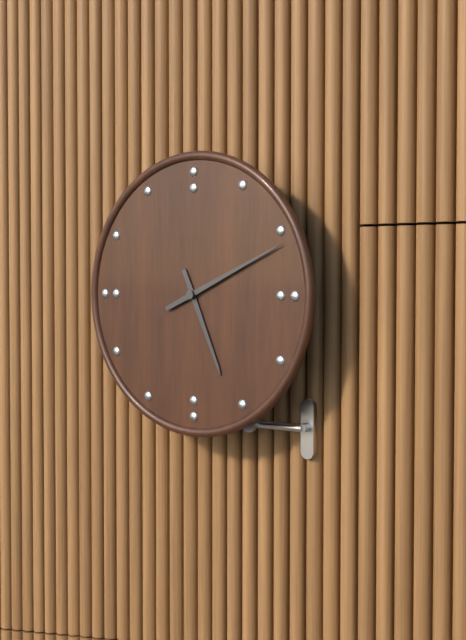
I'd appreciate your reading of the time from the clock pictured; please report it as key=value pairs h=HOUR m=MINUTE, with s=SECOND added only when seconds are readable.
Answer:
h=5 m=11
